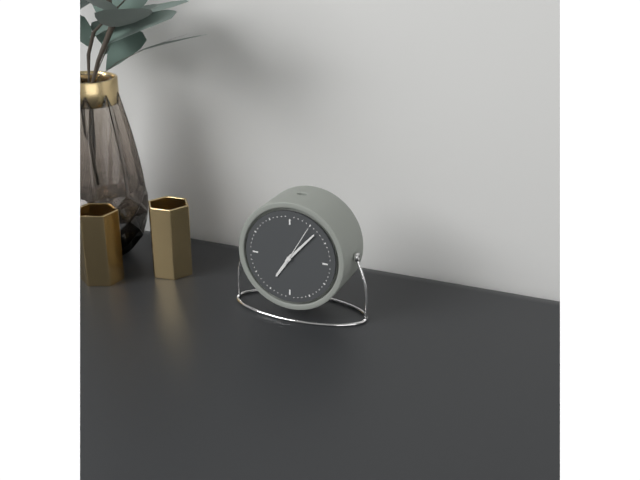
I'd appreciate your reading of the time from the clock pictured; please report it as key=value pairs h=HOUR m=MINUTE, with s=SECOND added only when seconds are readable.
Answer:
h=7 m=7
